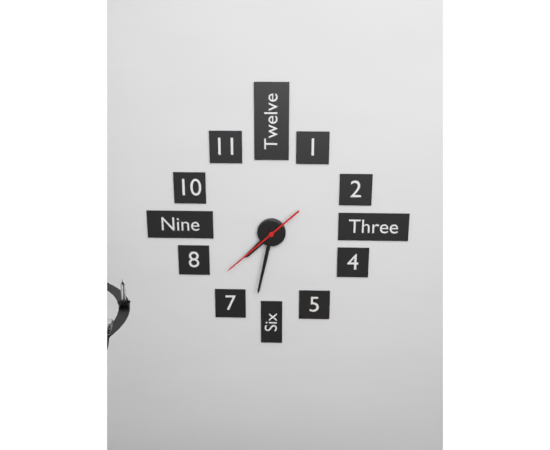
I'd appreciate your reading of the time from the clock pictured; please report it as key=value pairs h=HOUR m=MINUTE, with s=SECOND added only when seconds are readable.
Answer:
h=7 m=32 s=38
